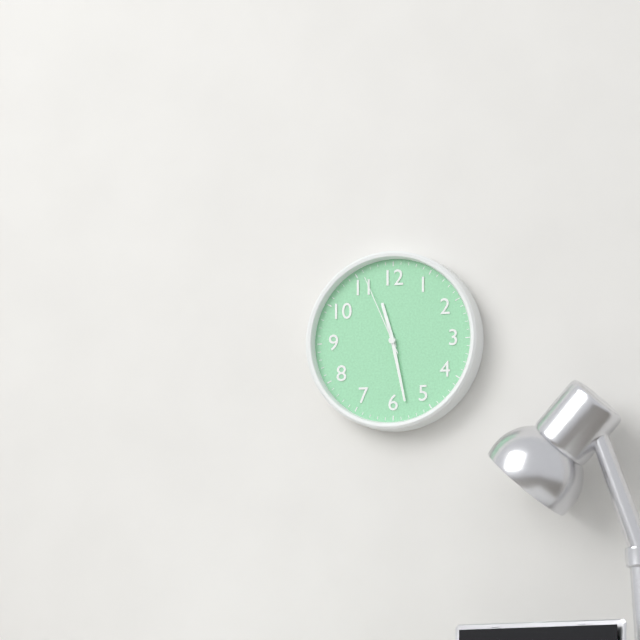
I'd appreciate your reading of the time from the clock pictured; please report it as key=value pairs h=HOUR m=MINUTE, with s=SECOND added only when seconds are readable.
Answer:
h=11 m=28 s=56
